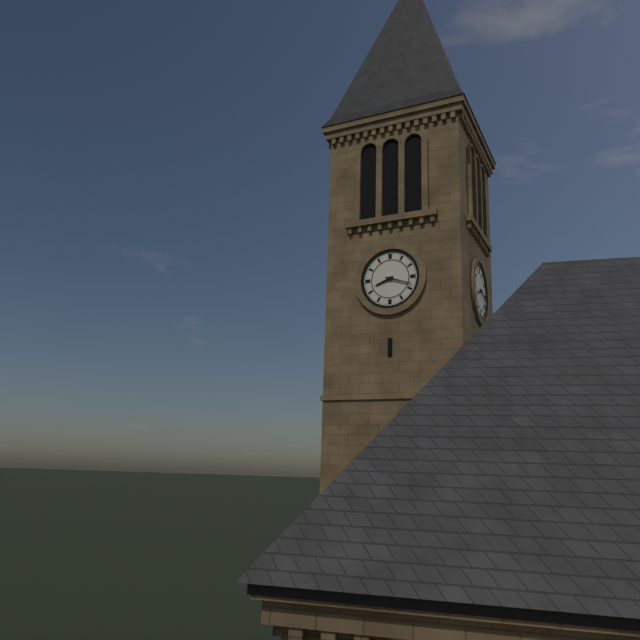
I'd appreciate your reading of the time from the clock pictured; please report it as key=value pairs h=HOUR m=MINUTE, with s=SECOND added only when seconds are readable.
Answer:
h=8 m=18
